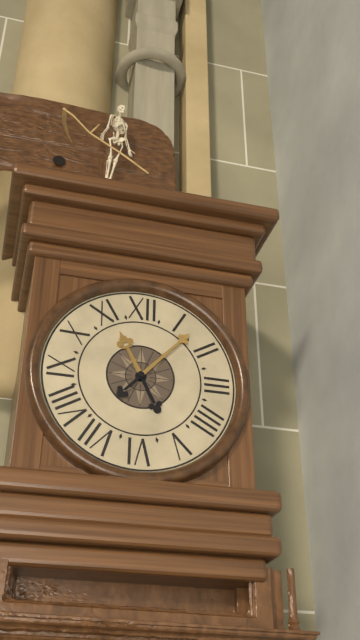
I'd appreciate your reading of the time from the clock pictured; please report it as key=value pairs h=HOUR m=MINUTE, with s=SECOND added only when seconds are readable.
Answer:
h=11 m=7
